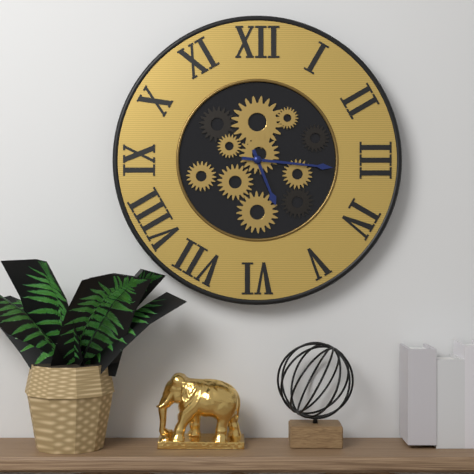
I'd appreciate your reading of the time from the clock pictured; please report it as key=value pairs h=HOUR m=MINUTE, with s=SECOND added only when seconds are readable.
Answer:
h=5 m=16
